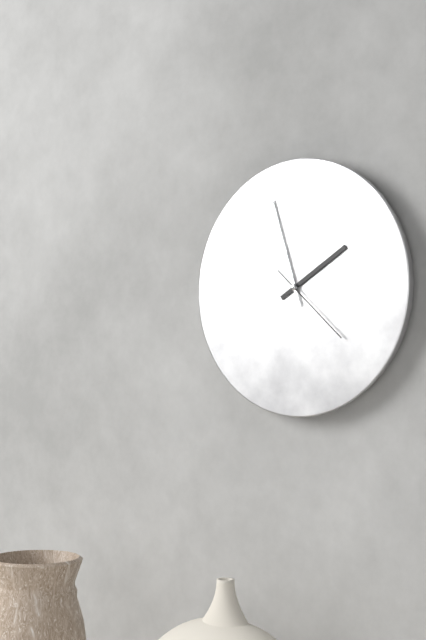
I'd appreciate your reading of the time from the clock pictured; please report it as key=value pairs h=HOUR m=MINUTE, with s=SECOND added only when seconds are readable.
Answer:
h=1 m=57 s=22
